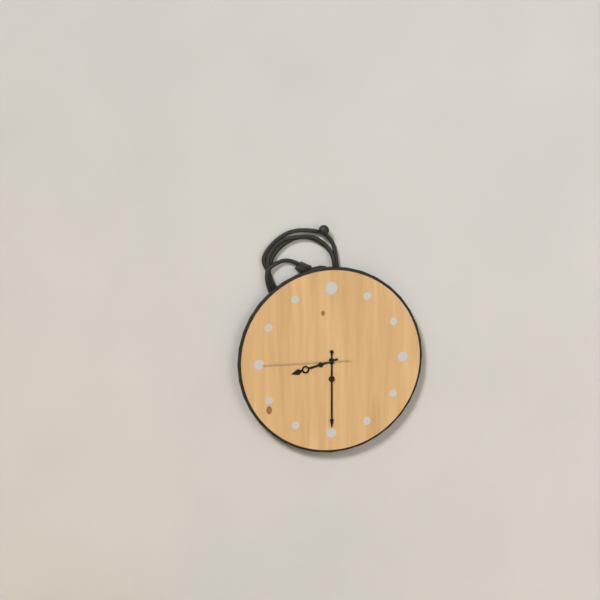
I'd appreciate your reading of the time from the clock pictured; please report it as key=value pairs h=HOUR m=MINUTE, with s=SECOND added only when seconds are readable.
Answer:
h=8 m=30 s=45
